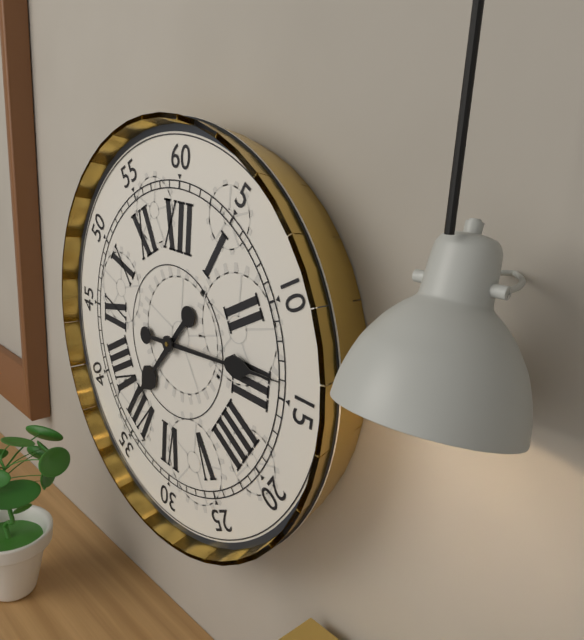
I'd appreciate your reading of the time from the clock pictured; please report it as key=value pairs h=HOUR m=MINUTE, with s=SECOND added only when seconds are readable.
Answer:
h=7 m=14
